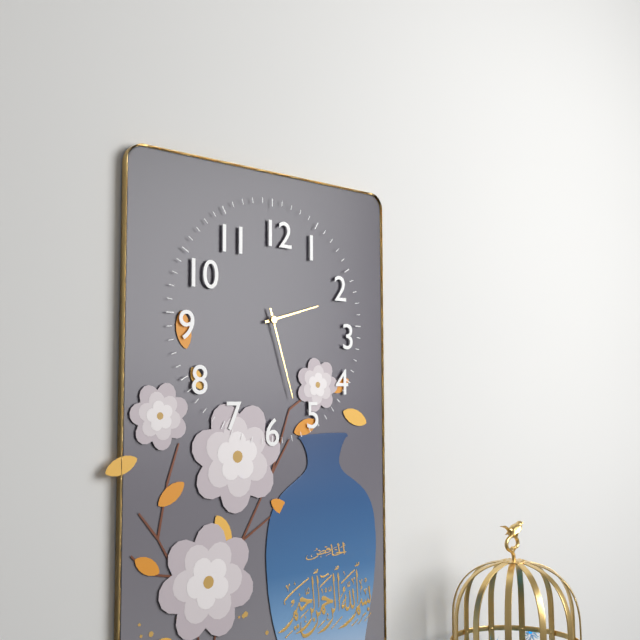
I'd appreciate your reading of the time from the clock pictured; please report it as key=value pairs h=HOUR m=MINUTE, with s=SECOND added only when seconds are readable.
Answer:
h=2 m=27
